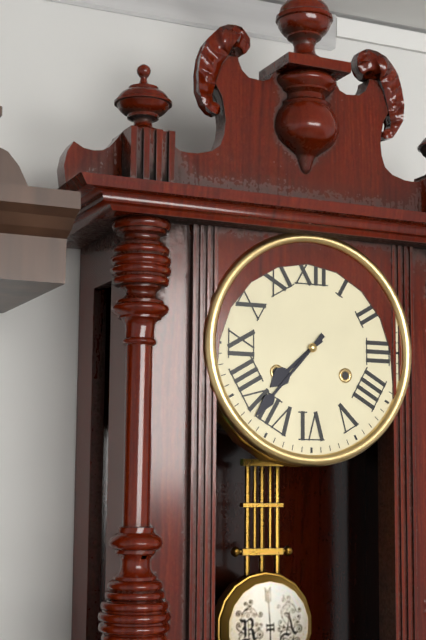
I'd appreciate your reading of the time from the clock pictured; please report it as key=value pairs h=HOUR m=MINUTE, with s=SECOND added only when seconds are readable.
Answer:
h=7 m=37
